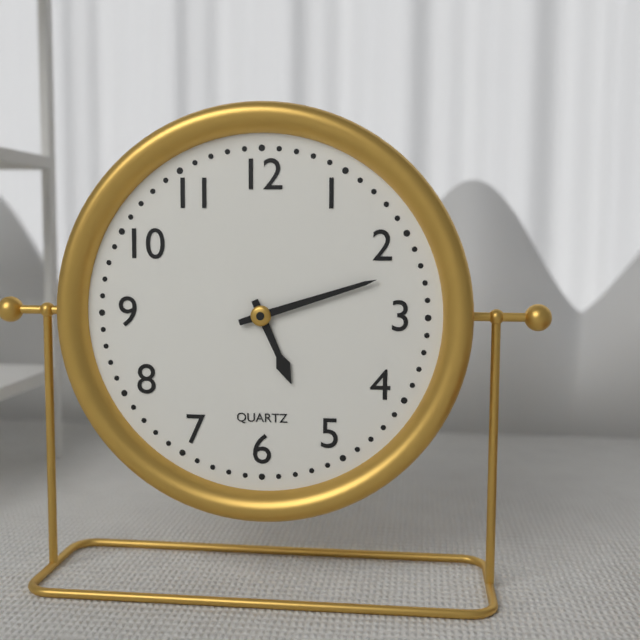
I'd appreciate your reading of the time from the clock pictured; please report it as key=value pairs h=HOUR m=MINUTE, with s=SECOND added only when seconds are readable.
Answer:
h=5 m=12
